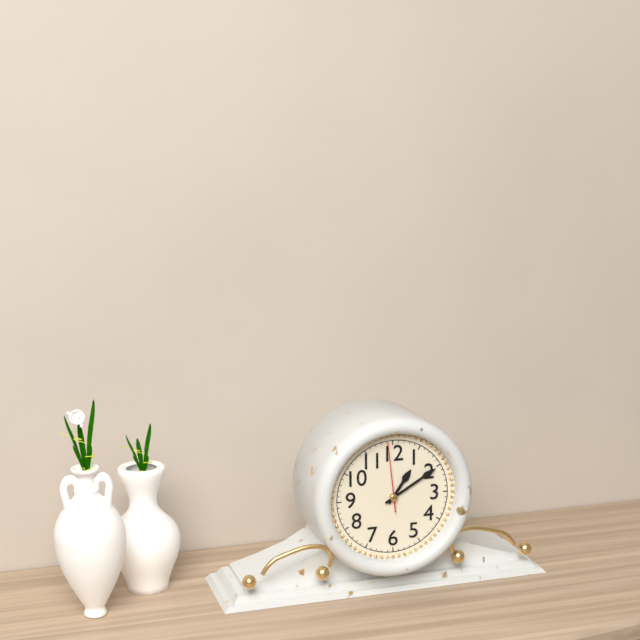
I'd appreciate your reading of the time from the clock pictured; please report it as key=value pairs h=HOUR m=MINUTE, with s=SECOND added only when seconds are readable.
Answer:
h=1 m=10 s=59
